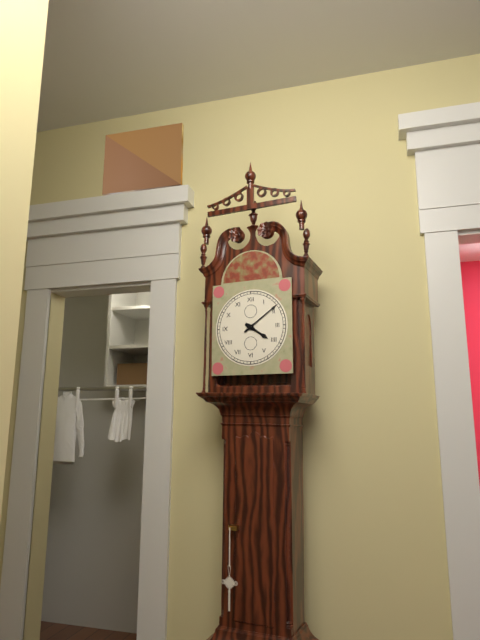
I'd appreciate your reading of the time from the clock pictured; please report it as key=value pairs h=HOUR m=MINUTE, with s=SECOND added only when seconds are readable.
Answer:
h=4 m=9
